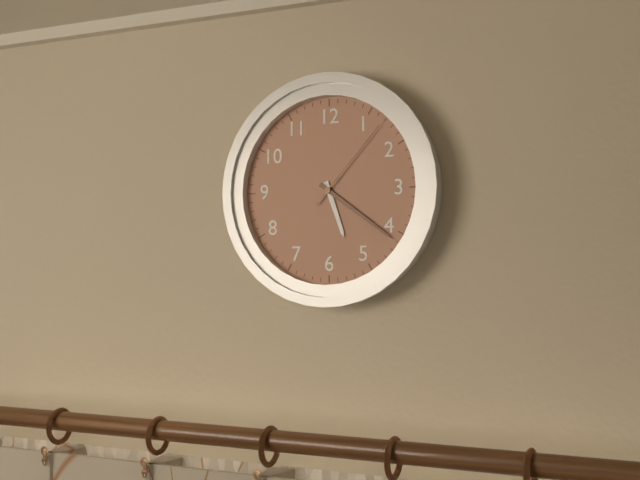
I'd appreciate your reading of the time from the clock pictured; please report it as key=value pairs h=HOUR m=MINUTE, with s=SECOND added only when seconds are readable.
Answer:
h=5 m=21 s=7
